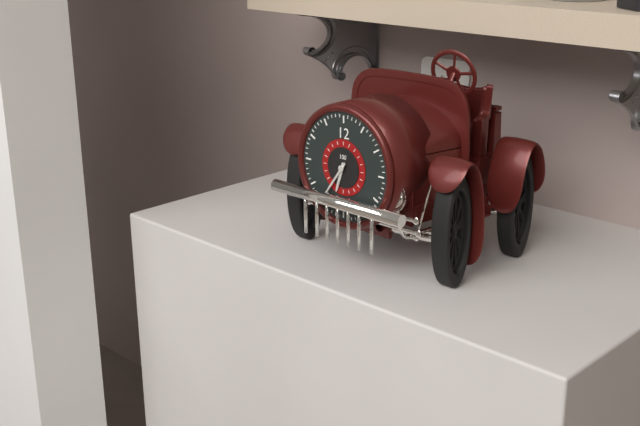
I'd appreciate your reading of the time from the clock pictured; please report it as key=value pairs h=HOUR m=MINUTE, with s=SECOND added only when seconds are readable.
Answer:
h=6 m=36
